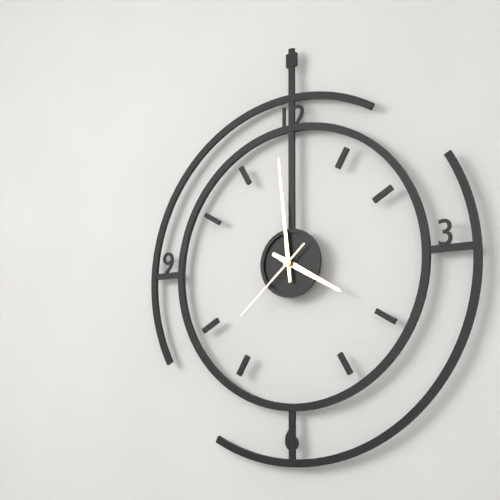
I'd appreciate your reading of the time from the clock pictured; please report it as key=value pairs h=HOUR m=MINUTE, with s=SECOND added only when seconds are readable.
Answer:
h=3 m=59 s=38
